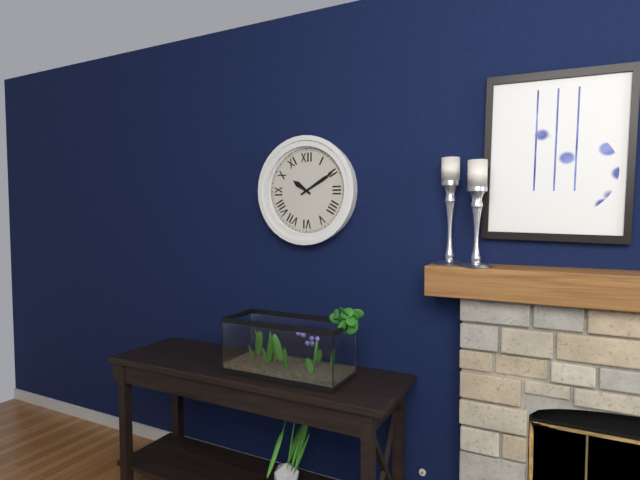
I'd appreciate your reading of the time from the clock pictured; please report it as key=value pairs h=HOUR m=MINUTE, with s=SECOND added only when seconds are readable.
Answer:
h=10 m=10
